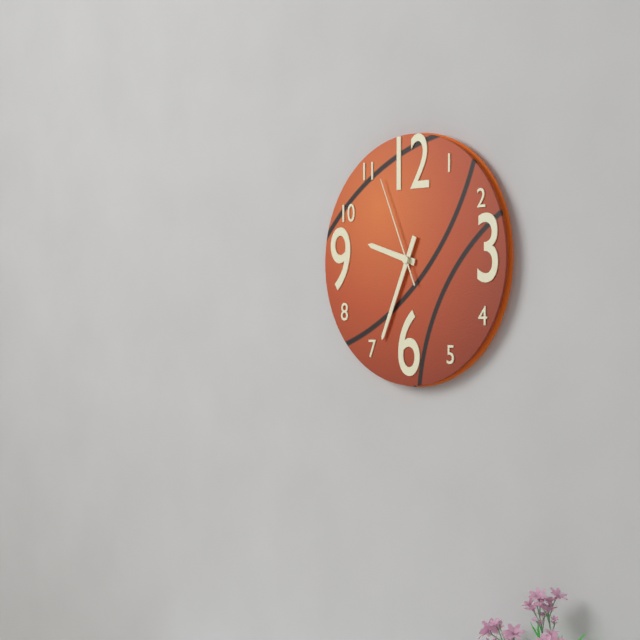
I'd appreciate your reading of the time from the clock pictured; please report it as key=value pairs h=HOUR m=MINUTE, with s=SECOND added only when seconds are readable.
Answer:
h=9 m=34 s=56
